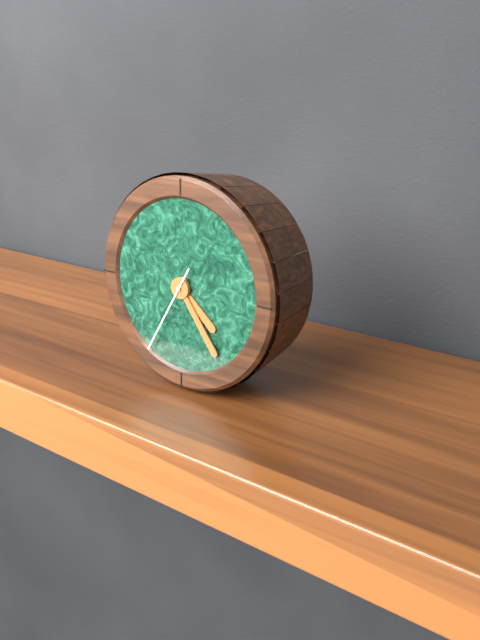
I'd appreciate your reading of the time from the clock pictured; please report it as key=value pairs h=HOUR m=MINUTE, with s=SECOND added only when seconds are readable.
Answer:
h=4 m=24 s=35
